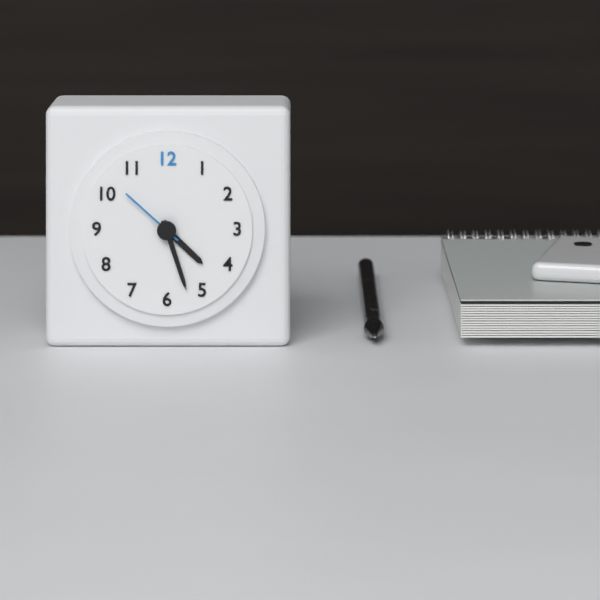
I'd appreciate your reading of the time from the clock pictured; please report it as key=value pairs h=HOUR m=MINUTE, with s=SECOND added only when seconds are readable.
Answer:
h=4 m=27 s=52
